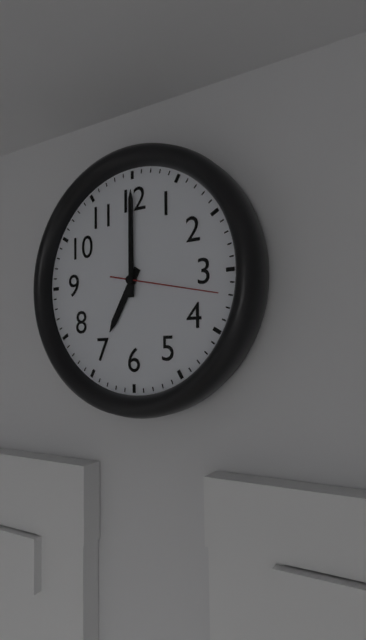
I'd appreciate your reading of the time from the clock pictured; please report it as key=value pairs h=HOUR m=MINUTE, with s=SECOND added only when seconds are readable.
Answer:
h=7 m=0 s=17
